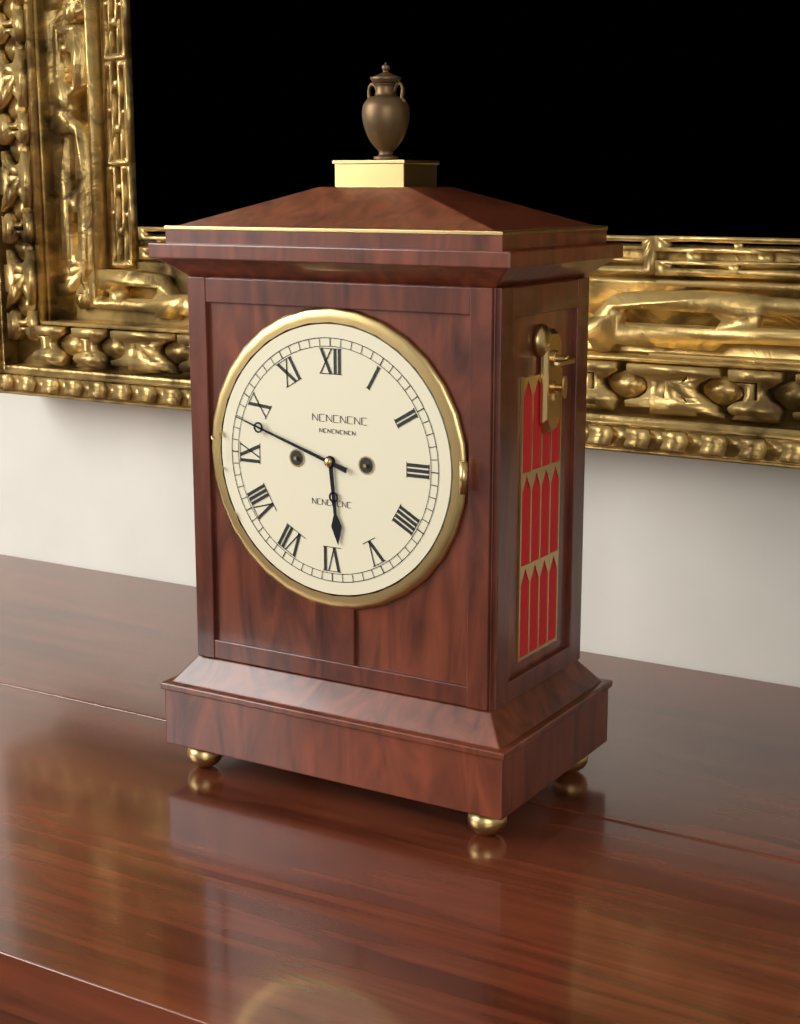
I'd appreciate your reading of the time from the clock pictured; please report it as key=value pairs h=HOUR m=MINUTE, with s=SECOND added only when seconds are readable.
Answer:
h=5 m=48
